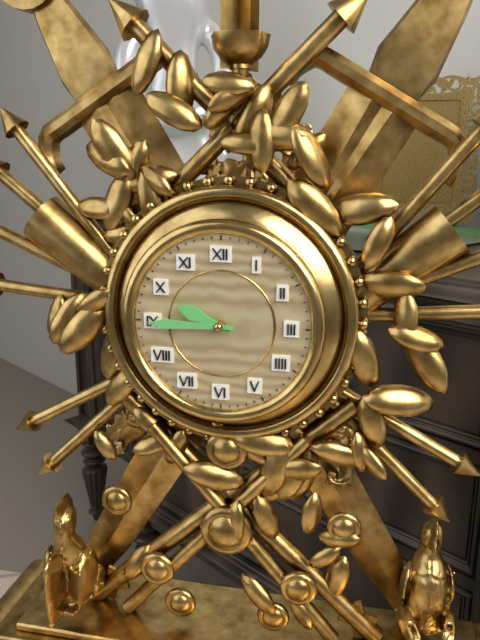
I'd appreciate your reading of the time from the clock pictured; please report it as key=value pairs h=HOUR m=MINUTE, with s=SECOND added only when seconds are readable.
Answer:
h=9 m=45
